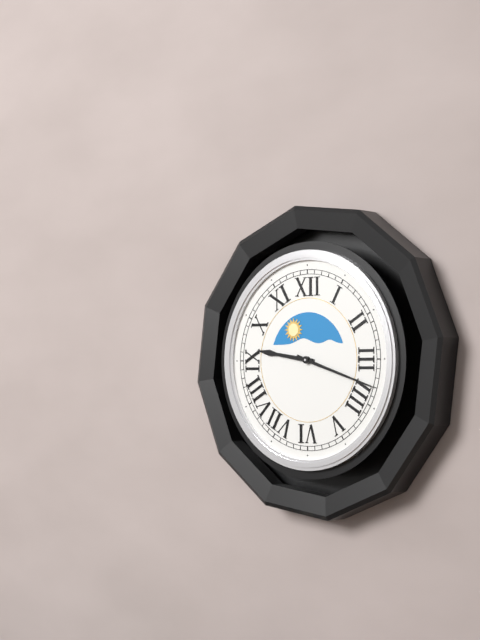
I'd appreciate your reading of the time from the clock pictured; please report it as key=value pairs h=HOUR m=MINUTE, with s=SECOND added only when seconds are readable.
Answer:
h=9 m=18
